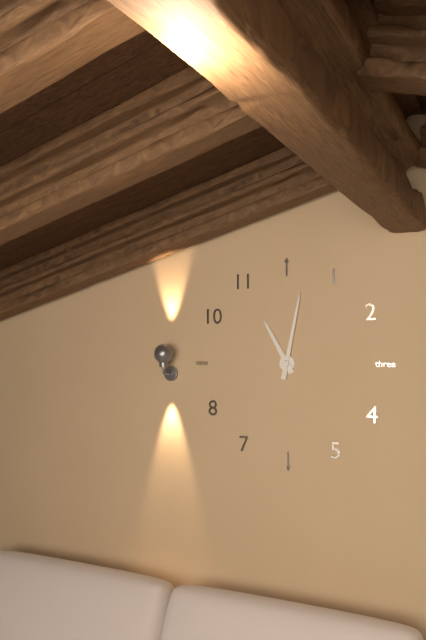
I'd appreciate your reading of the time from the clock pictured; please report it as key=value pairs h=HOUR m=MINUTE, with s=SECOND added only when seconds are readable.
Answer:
h=11 m=2
